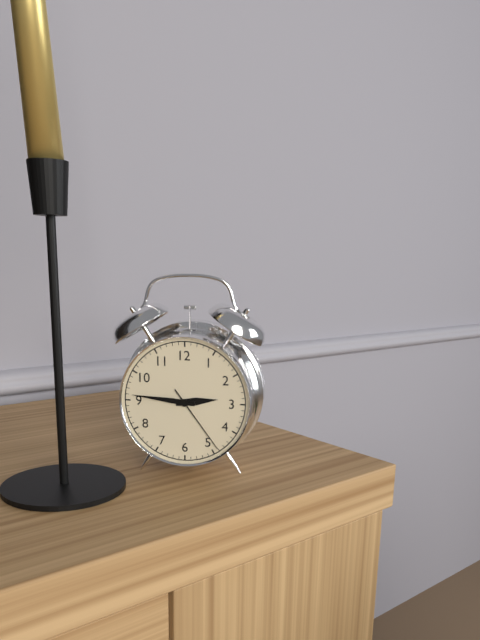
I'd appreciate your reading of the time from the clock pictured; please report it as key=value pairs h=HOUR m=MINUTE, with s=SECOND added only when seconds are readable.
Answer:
h=2 m=46 s=24
